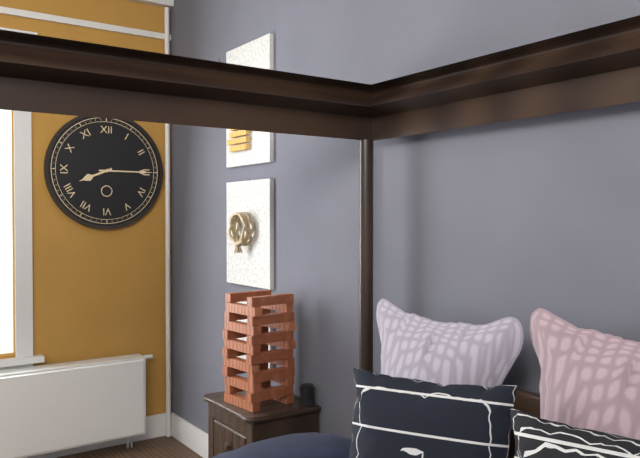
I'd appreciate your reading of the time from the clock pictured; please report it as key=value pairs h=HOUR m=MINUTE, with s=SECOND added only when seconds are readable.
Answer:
h=8 m=15
